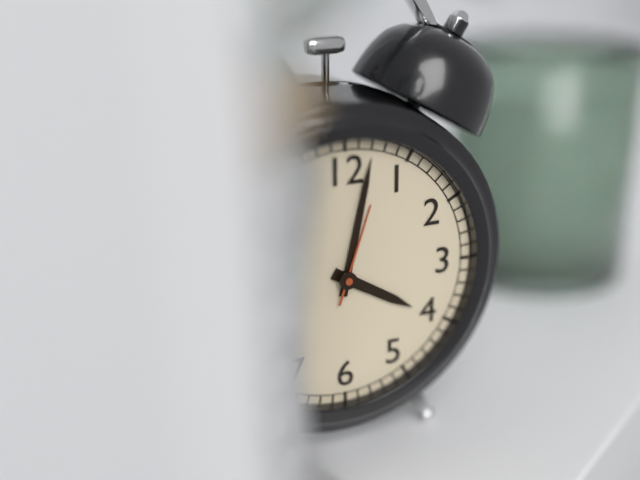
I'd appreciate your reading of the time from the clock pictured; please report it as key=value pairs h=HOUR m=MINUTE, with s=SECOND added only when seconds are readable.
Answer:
h=4 m=2 s=3
